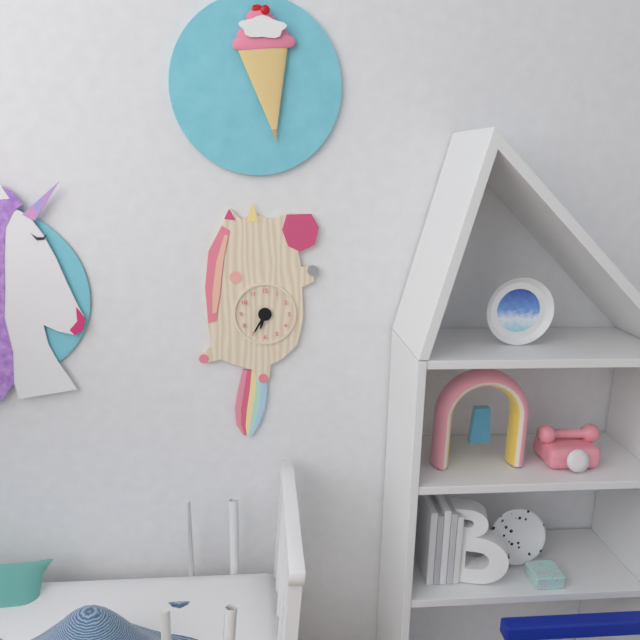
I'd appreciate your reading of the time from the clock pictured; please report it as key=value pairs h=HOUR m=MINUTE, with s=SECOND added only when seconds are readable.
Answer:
h=6 m=35
